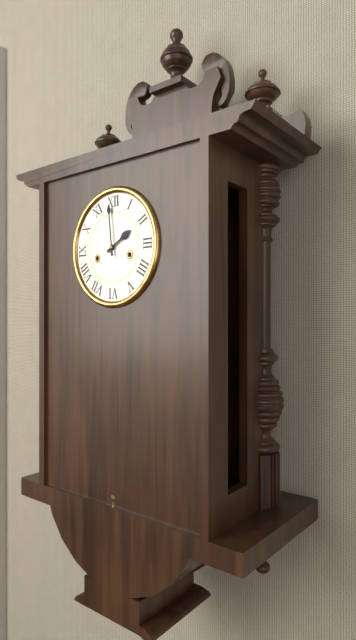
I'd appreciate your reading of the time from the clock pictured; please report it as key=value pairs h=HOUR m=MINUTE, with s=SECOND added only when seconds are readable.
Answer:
h=1 m=59
